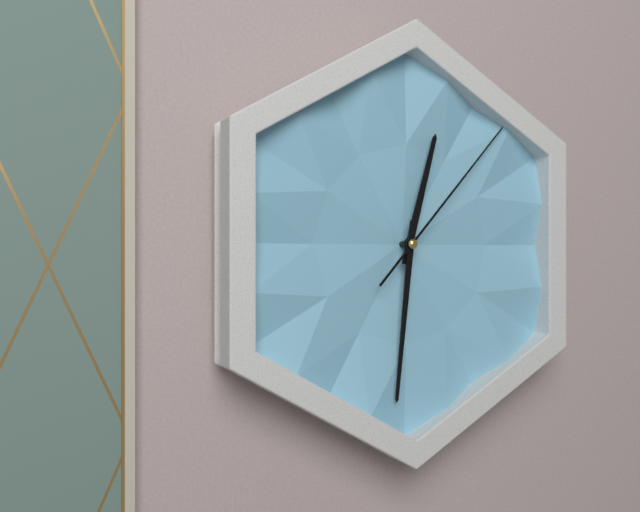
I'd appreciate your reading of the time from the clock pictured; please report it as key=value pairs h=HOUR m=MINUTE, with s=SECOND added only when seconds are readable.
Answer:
h=12 m=31 s=7
